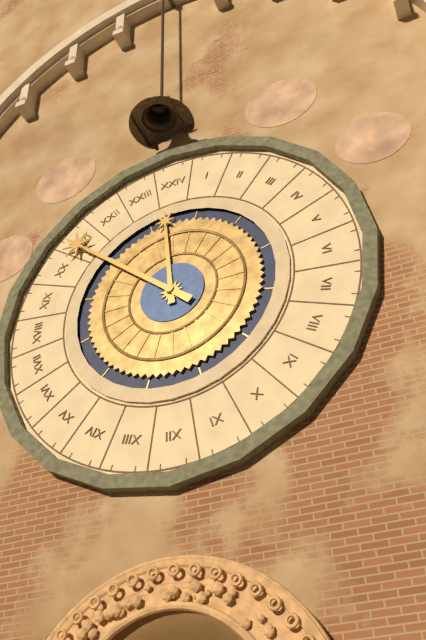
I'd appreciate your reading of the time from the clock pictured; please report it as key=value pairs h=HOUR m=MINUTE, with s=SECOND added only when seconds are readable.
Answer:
h=11 m=52
